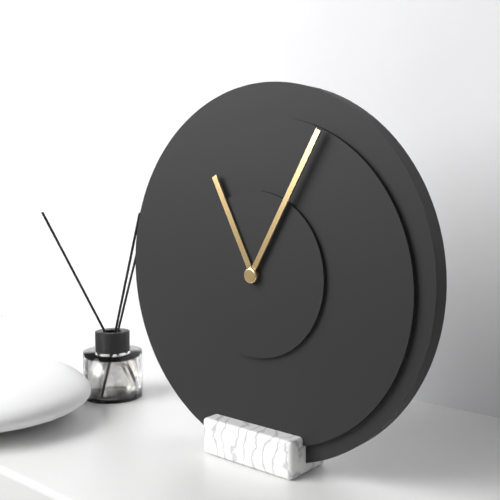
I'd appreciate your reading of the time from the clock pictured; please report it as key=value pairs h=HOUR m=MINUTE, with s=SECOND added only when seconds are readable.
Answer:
h=11 m=5
